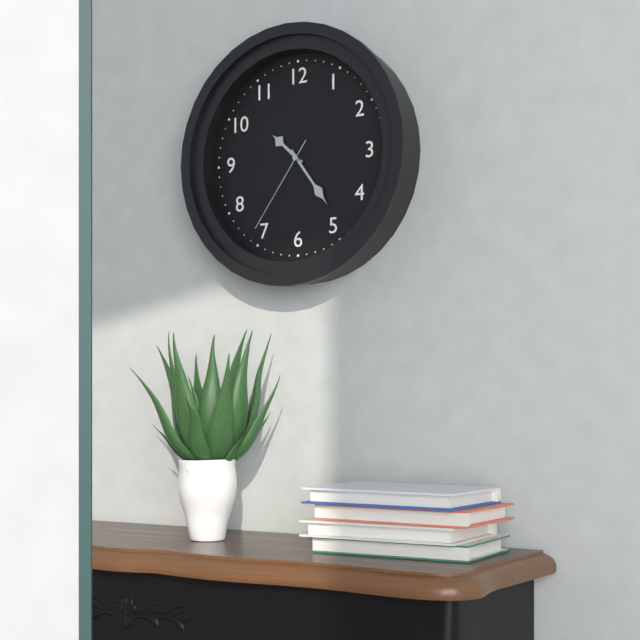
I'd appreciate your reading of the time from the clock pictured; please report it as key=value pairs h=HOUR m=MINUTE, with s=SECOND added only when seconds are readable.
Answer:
h=10 m=24 s=36
